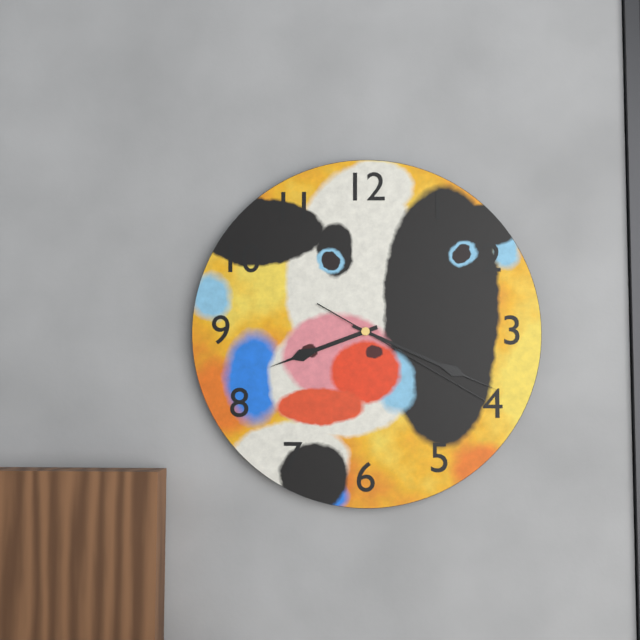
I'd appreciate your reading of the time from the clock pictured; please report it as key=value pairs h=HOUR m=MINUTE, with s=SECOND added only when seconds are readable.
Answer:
h=8 m=19 s=20
